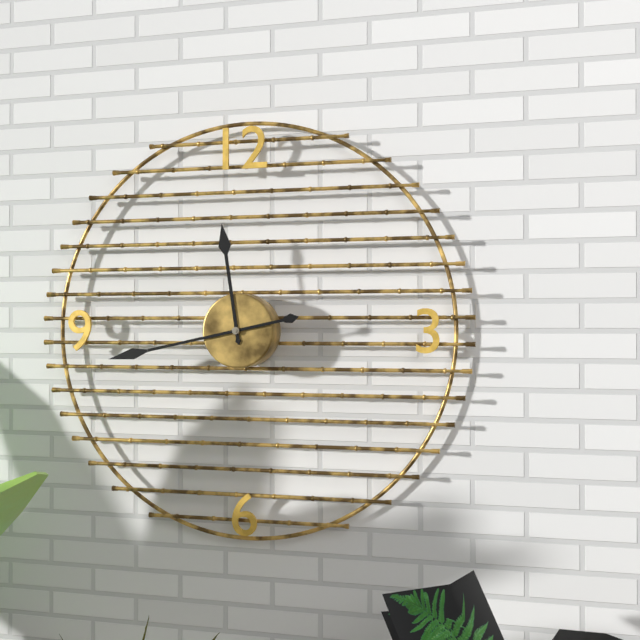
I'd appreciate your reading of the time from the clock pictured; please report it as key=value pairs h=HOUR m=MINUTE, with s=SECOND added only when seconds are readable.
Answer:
h=11 m=43
